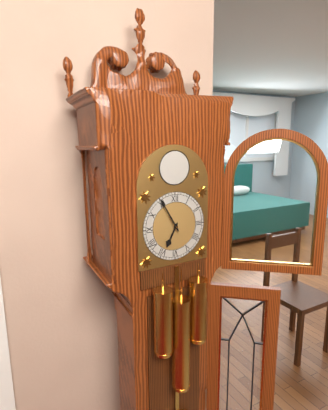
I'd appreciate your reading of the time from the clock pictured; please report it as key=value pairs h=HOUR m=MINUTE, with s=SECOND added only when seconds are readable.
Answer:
h=6 m=55
